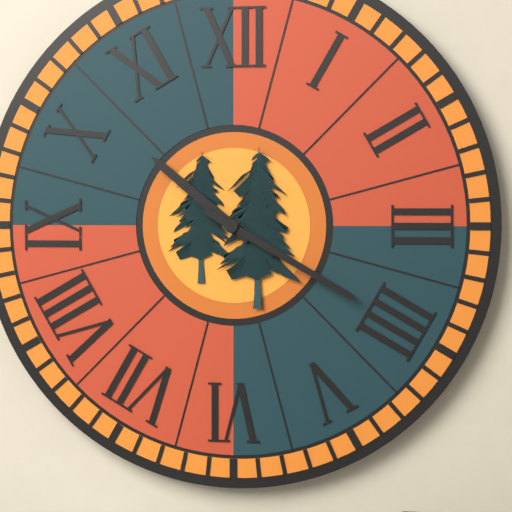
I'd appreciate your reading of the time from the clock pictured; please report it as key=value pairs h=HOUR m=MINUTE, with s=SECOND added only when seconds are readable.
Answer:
h=10 m=20
